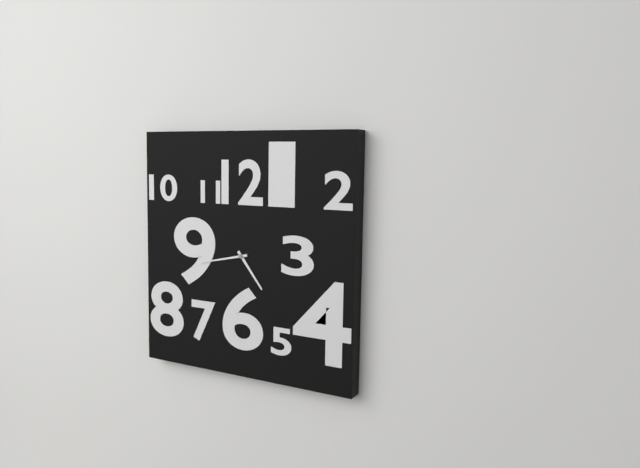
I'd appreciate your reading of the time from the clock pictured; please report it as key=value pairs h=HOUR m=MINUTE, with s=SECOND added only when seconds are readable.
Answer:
h=4 m=43
